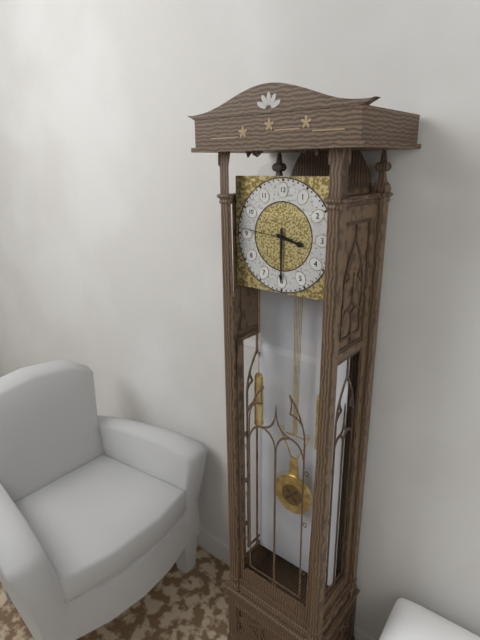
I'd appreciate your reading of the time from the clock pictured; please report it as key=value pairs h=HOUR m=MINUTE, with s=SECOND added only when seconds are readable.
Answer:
h=3 m=30 s=46
